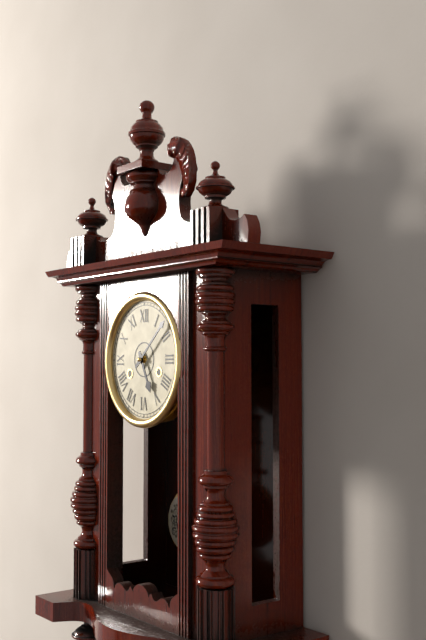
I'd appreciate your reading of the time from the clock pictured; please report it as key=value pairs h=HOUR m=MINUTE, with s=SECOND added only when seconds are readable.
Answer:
h=5 m=8
